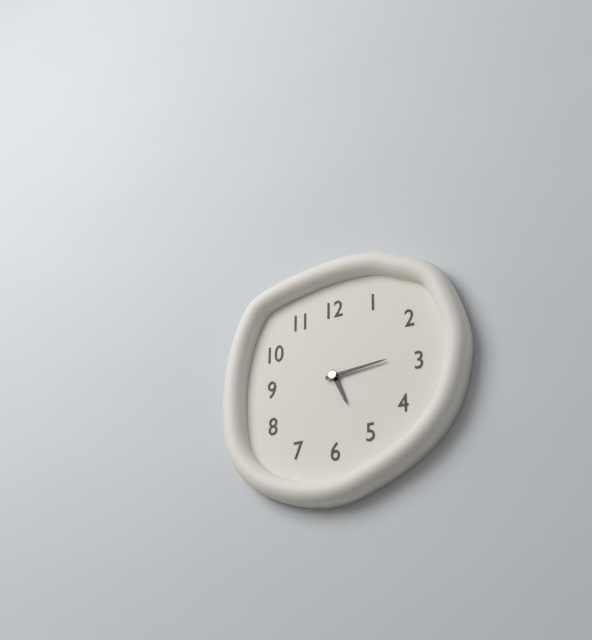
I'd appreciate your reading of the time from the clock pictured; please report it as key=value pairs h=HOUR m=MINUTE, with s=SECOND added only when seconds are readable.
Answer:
h=5 m=14
